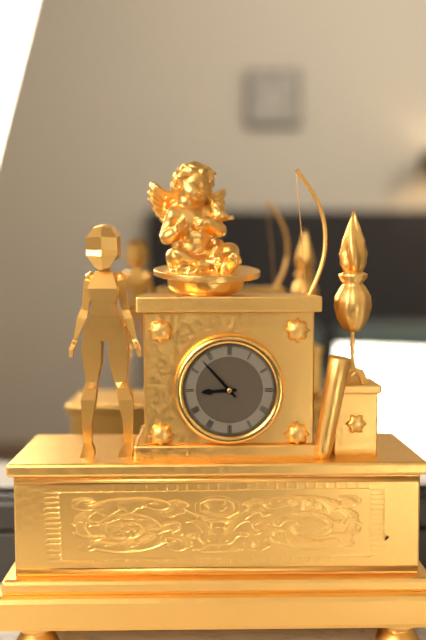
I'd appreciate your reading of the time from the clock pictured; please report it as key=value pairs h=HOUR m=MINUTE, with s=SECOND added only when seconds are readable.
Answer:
h=8 m=53
